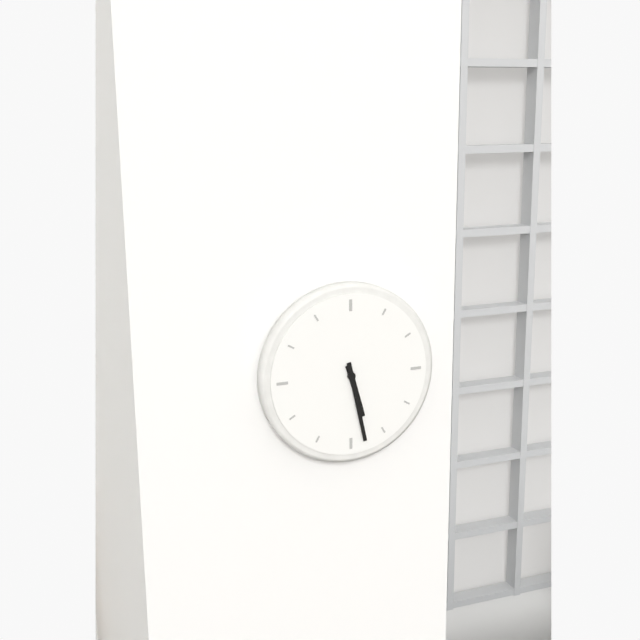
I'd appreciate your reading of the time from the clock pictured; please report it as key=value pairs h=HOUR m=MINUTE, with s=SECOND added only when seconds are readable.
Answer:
h=5 m=28
